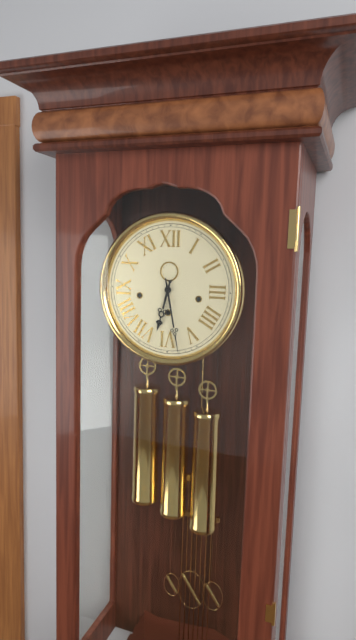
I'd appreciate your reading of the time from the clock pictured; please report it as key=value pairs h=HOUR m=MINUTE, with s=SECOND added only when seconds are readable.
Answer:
h=6 m=28
